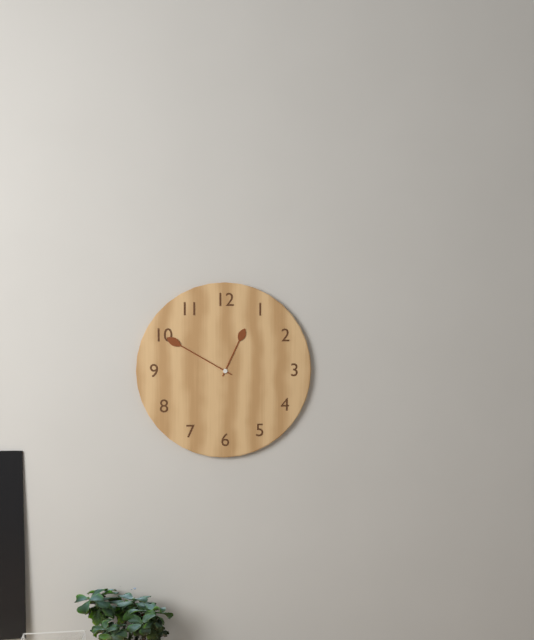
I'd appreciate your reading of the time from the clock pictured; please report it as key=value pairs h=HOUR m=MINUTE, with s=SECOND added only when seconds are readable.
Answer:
h=12 m=50
